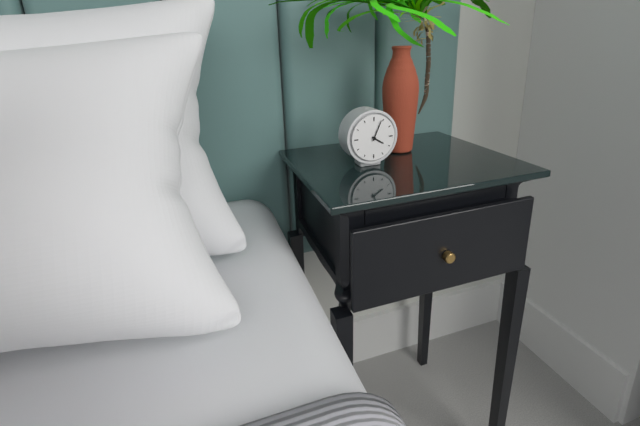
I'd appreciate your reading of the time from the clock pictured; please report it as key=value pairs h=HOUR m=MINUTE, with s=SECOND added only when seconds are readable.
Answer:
h=4 m=4
